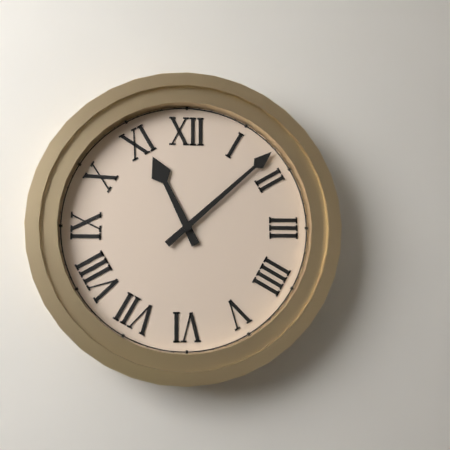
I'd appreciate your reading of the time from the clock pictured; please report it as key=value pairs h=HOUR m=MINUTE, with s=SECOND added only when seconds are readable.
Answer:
h=11 m=8
